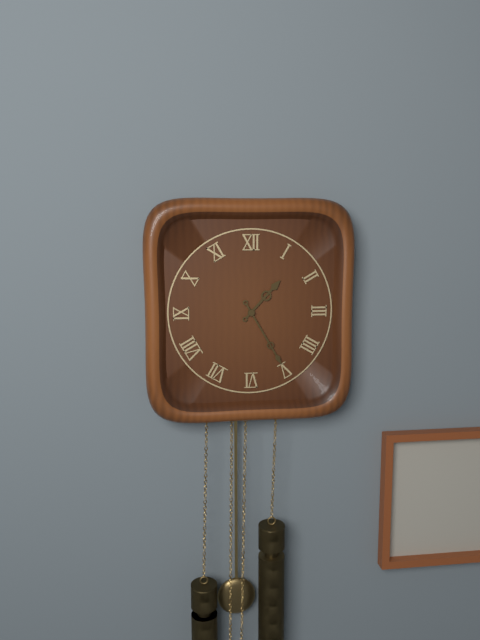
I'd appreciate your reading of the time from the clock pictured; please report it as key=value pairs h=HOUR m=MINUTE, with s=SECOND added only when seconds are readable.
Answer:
h=1 m=25
